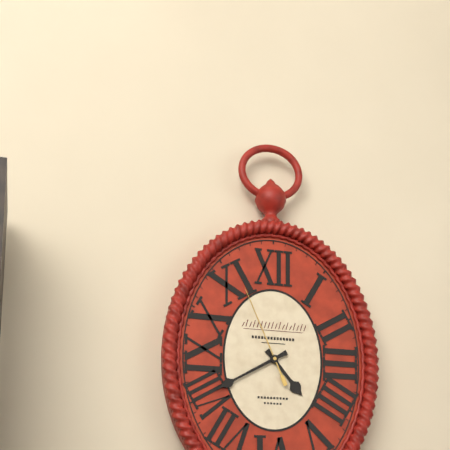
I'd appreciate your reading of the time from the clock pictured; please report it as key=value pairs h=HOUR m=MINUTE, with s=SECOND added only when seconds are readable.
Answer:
h=4 m=40 s=56
